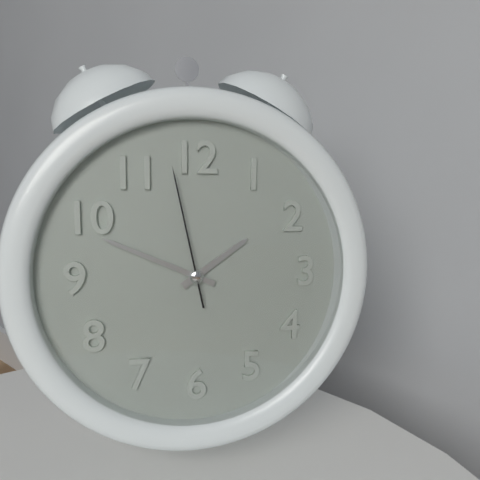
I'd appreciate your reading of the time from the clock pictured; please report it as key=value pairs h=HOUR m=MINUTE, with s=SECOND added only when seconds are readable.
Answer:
h=1 m=49 s=58
